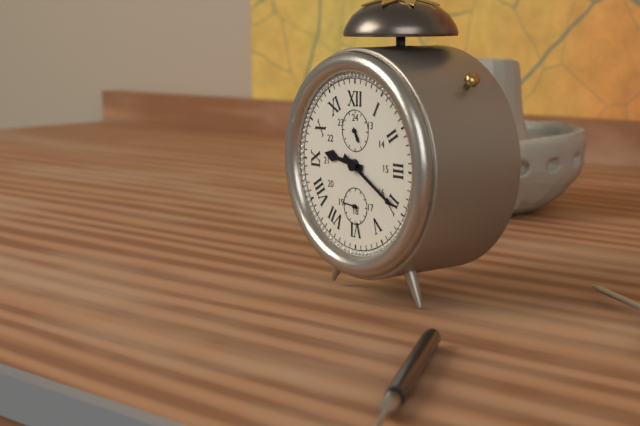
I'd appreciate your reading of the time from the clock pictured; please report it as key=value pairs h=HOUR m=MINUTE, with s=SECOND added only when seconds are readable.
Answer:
h=9 m=20 s=46
